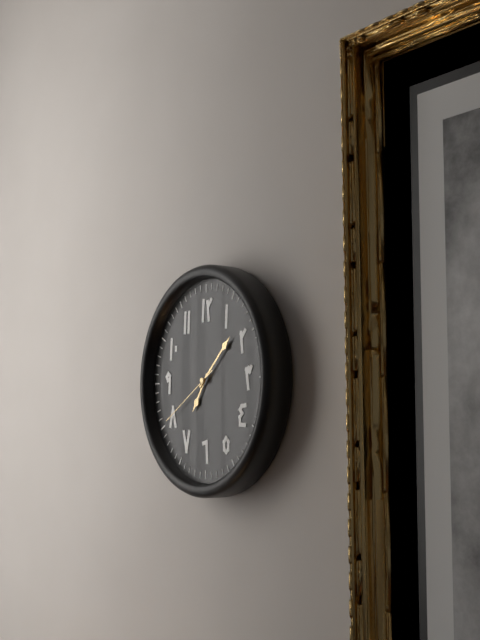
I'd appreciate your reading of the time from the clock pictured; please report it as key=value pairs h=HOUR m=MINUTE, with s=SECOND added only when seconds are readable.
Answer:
h=7 m=8 s=40
